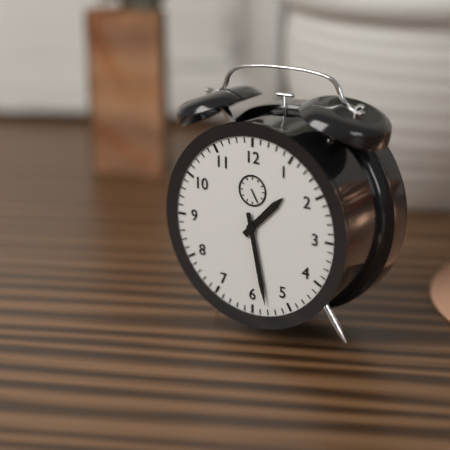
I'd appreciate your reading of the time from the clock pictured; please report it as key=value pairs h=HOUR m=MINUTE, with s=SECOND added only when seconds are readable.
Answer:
h=1 m=28
